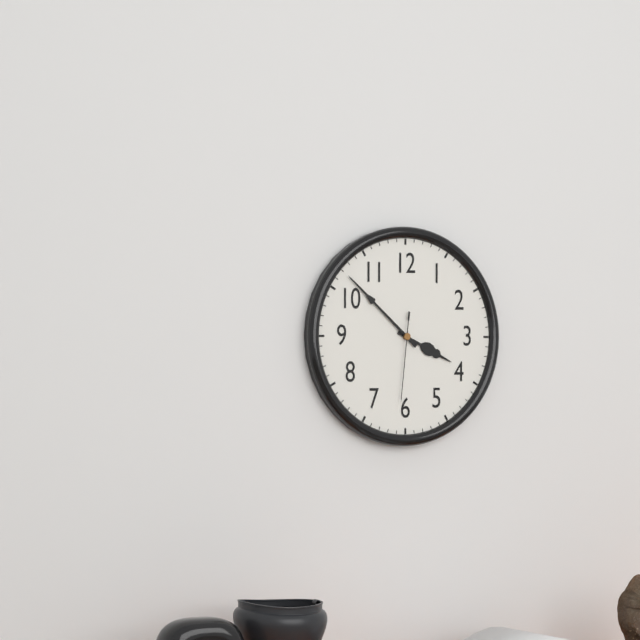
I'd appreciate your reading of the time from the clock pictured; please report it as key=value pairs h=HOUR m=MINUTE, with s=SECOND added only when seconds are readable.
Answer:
h=3 m=52 s=31
